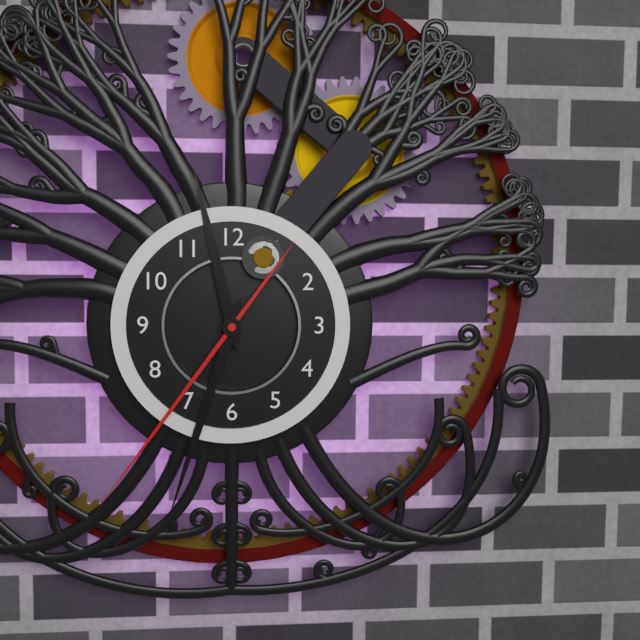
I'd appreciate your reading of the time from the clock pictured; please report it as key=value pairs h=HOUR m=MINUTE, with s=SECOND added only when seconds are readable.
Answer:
h=11 m=33 s=36
